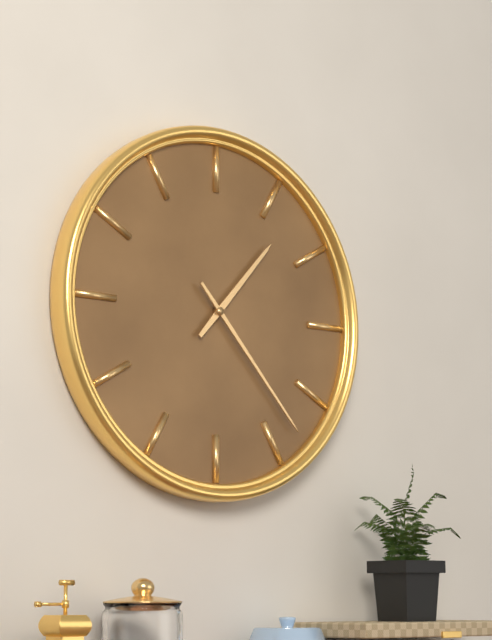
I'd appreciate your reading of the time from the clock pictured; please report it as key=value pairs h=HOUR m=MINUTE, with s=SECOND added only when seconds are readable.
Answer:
h=1 m=23
